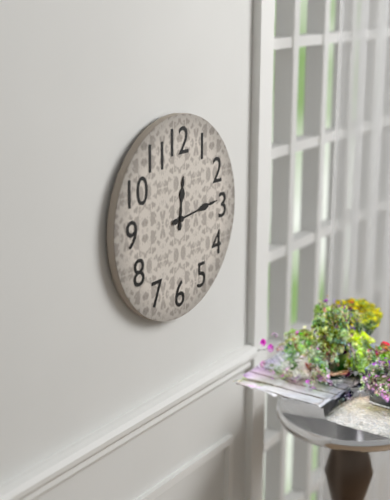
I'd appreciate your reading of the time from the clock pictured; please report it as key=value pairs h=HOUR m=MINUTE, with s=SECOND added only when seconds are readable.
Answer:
h=12 m=14
